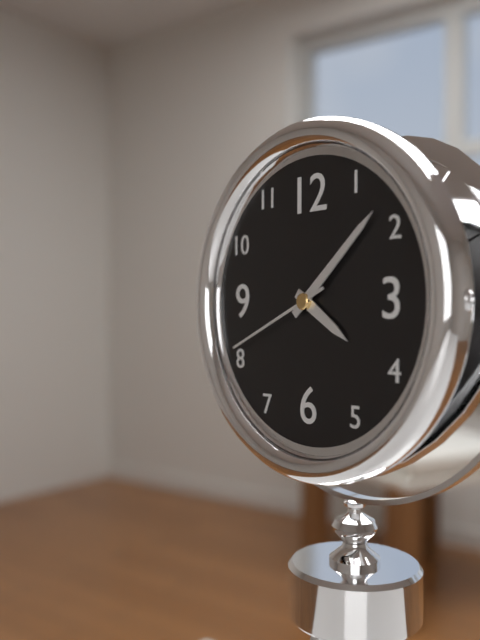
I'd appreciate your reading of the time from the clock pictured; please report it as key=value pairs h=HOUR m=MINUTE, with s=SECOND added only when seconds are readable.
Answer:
h=4 m=8 s=41
